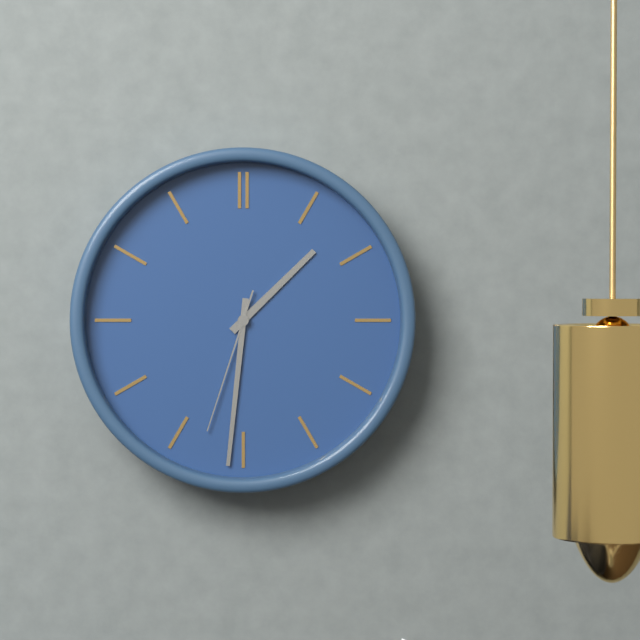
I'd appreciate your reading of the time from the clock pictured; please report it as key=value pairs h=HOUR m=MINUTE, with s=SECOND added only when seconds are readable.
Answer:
h=1 m=31 s=33
